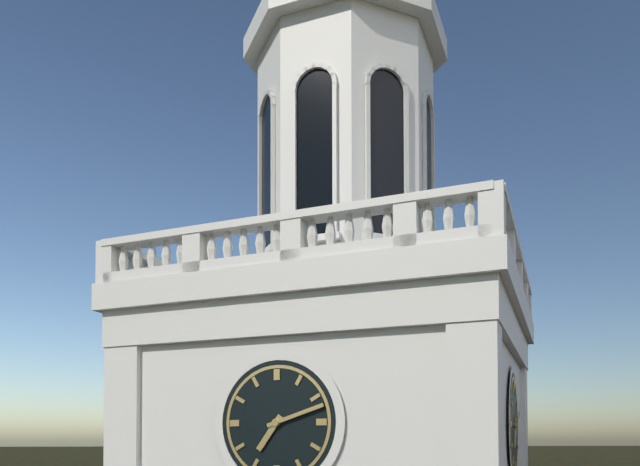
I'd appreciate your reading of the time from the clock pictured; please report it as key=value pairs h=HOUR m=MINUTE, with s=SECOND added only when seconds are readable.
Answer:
h=7 m=12
